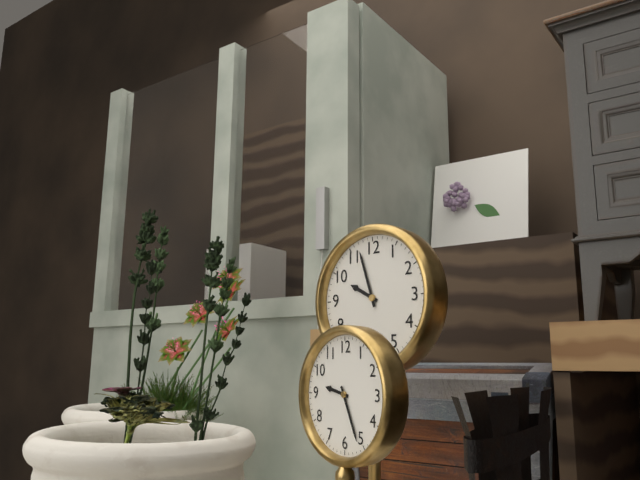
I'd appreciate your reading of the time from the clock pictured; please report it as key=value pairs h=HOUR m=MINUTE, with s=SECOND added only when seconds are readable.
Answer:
h=9 m=57
